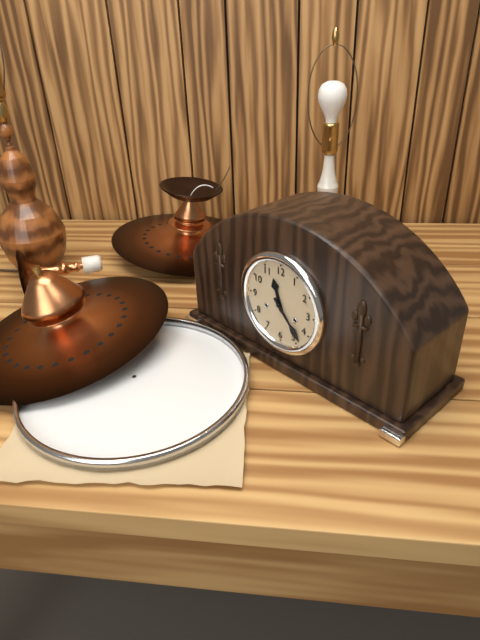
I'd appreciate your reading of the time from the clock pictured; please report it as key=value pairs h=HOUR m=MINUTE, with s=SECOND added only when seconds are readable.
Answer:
h=11 m=23
